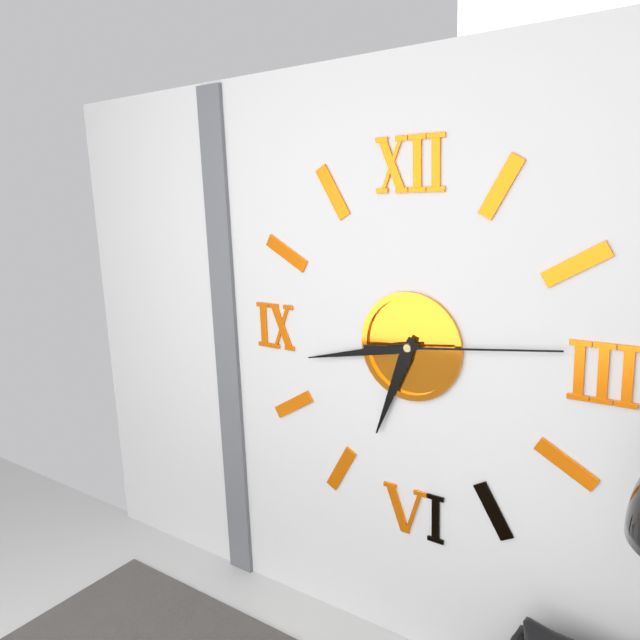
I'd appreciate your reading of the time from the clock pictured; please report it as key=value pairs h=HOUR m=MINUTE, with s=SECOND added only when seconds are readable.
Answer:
h=6 m=43 s=14
